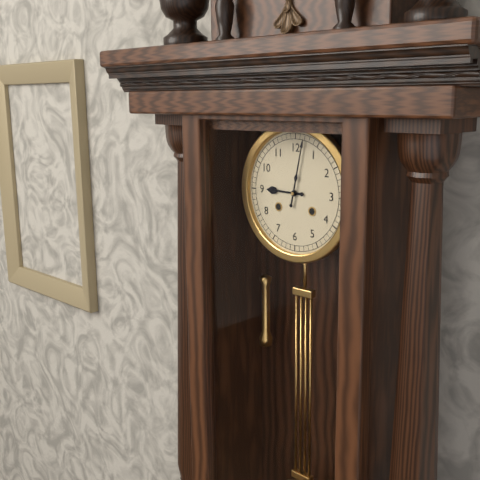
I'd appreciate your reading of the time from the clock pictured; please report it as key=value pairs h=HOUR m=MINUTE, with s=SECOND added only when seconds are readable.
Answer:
h=9 m=2
